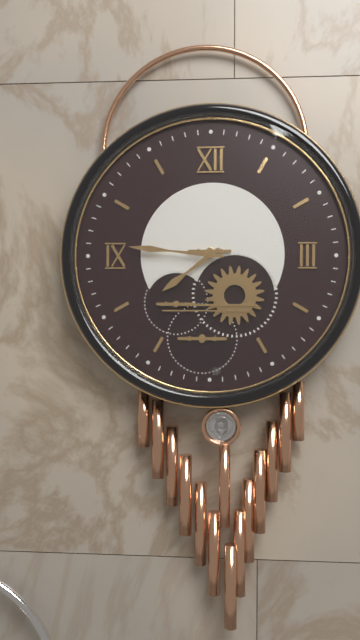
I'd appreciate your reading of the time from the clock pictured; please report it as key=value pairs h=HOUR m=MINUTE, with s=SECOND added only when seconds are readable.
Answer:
h=7 m=46
